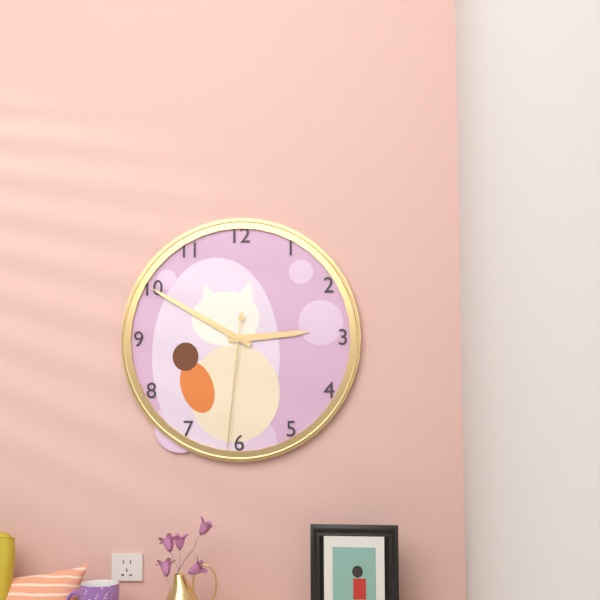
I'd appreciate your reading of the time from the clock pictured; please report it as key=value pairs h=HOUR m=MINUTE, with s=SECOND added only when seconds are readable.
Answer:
h=2 m=50 s=31
